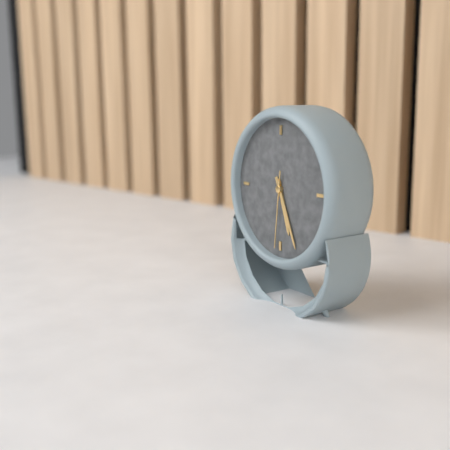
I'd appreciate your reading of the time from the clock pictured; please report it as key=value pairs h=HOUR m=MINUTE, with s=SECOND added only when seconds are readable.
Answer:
h=5 m=26 s=31
